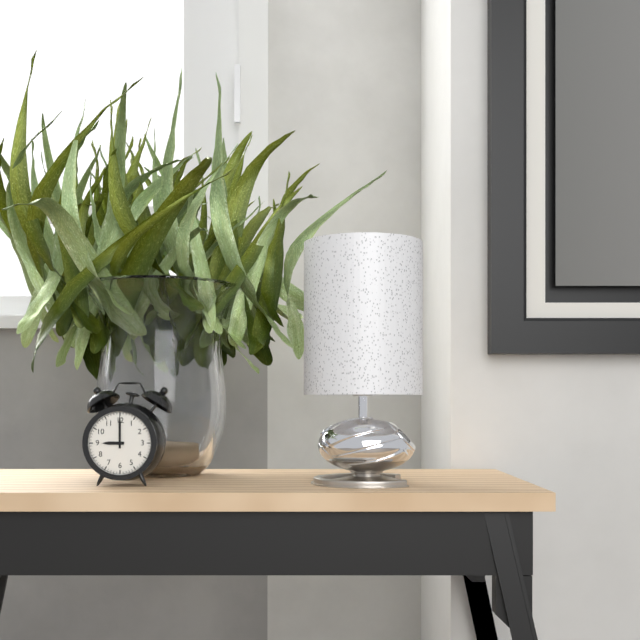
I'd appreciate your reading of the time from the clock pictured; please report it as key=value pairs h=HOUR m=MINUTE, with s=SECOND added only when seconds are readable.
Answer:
h=9 m=0
